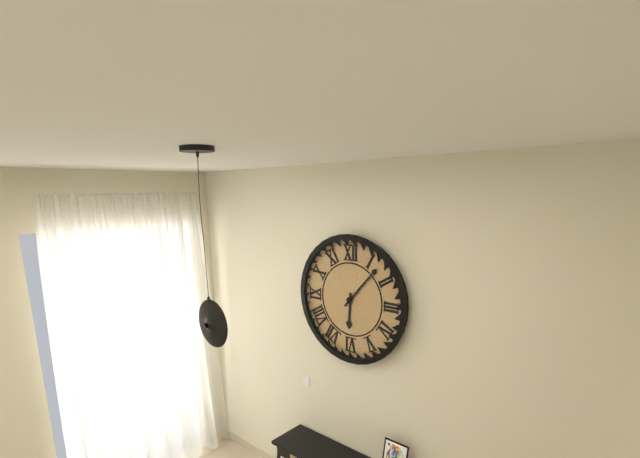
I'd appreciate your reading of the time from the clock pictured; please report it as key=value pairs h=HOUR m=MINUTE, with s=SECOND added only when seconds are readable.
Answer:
h=6 m=7
